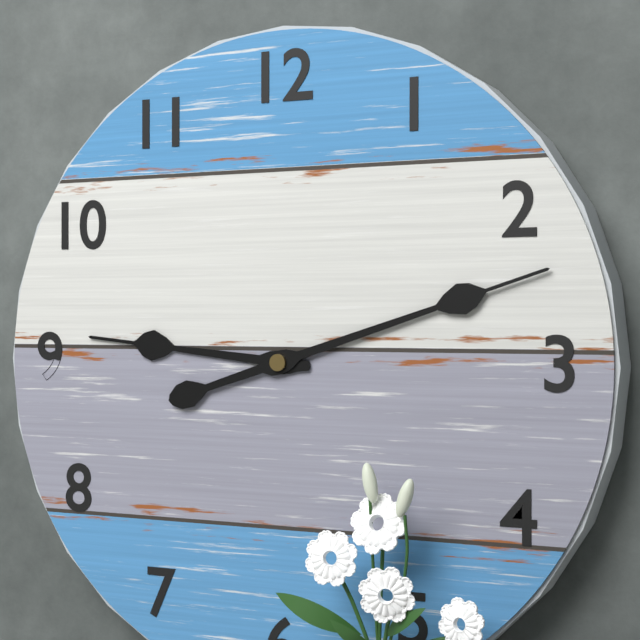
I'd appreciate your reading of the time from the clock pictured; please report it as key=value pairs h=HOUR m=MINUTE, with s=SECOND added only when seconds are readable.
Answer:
h=9 m=12
